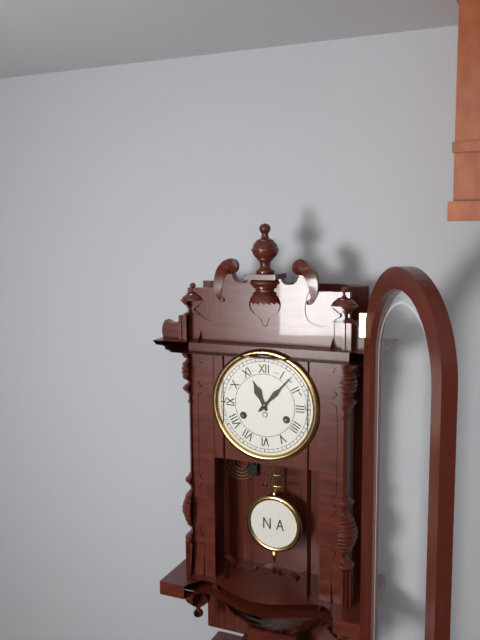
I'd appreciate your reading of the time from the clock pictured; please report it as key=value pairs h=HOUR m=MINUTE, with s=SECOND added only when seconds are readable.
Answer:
h=11 m=7
